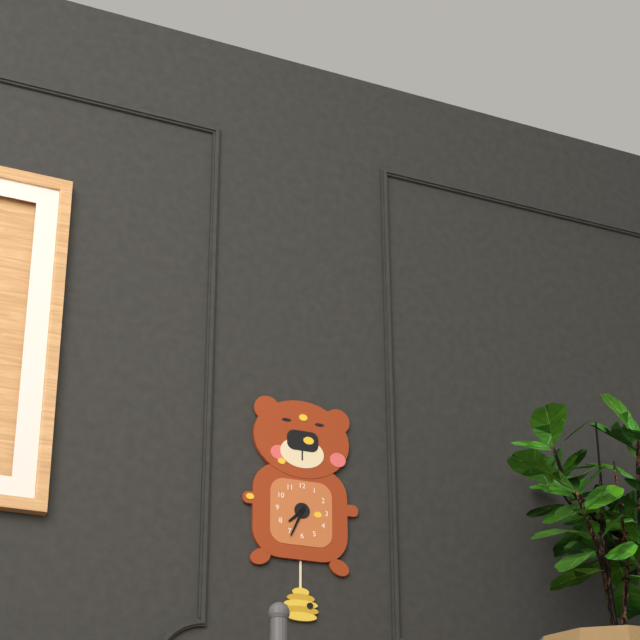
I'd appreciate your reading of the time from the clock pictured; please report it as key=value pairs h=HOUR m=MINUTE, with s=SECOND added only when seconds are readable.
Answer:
h=7 m=34
